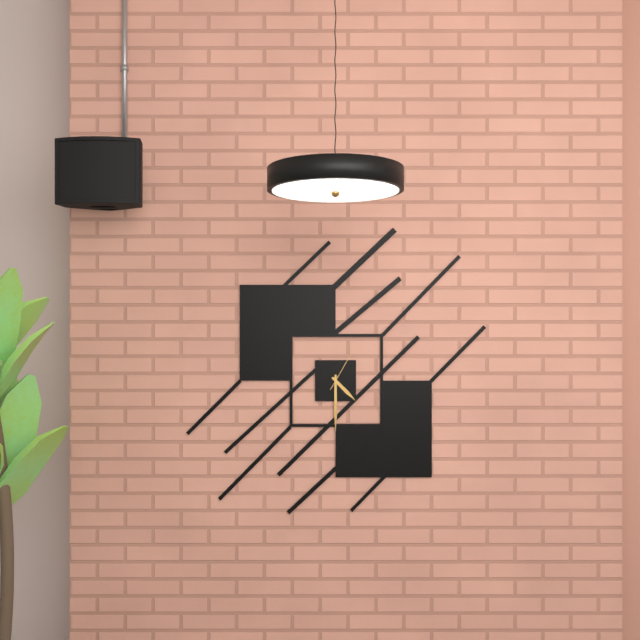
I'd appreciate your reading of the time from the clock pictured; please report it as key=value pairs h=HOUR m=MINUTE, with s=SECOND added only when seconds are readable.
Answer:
h=4 m=30
